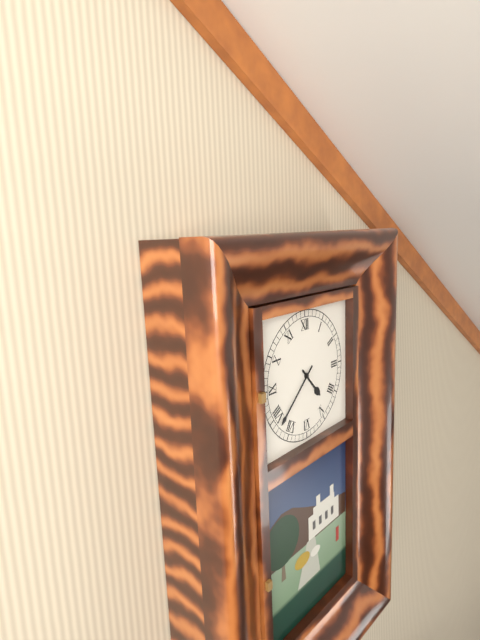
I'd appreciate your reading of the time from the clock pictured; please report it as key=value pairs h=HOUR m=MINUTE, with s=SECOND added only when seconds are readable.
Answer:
h=4 m=38
